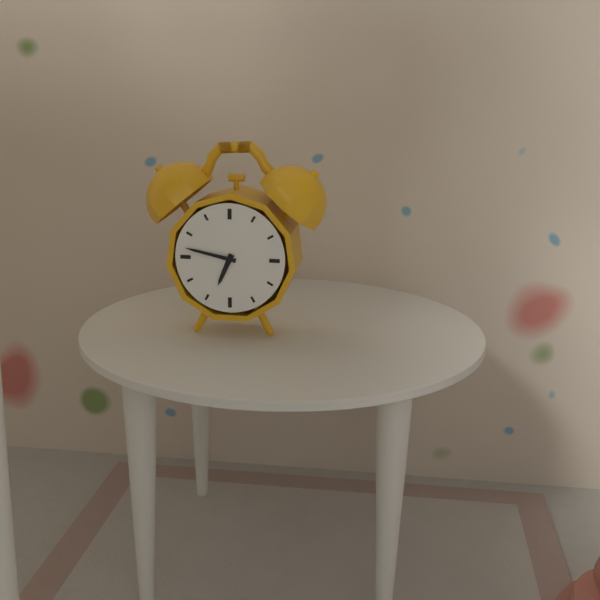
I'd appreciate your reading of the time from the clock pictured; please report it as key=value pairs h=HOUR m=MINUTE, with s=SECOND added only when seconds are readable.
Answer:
h=6 m=47
